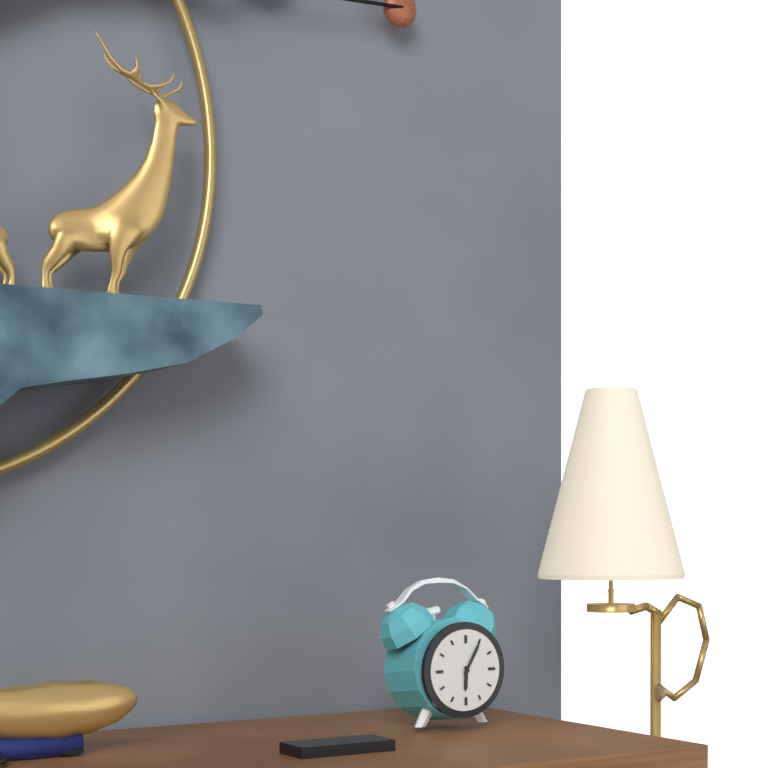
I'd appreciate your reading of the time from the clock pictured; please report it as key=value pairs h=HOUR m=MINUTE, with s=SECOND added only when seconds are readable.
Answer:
h=6 m=5
